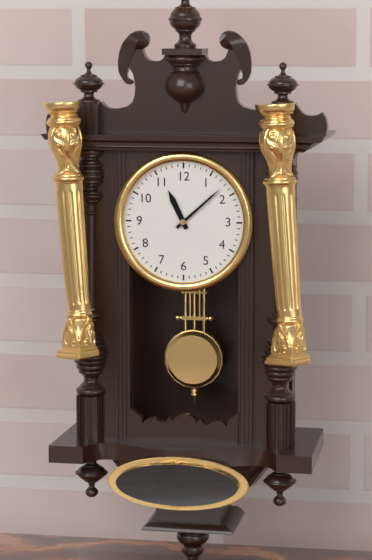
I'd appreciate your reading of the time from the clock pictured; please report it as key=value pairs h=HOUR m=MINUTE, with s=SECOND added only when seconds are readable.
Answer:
h=11 m=8
